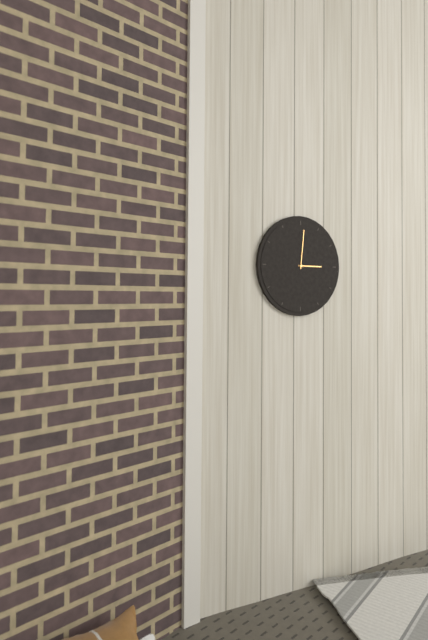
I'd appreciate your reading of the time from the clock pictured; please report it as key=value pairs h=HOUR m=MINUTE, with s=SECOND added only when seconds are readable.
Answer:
h=3 m=1
